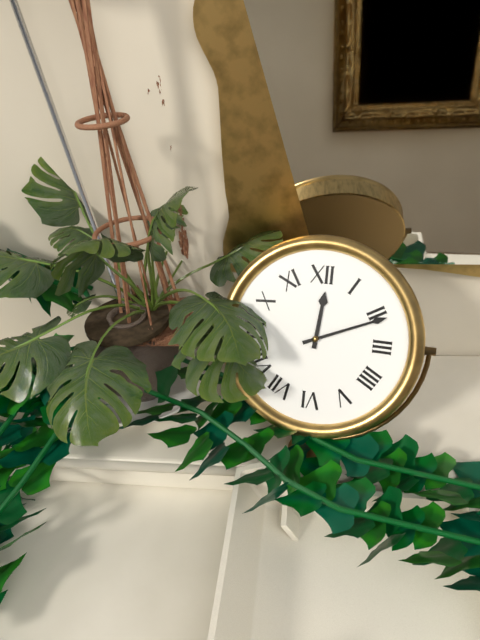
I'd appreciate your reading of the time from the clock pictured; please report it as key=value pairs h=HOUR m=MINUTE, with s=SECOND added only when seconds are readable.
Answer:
h=12 m=11
